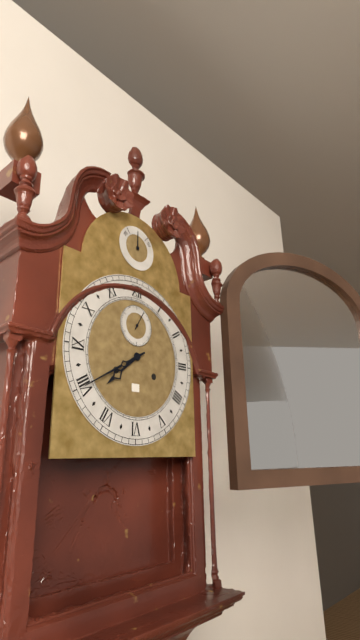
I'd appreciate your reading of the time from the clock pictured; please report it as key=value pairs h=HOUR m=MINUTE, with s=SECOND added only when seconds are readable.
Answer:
h=7 m=40
